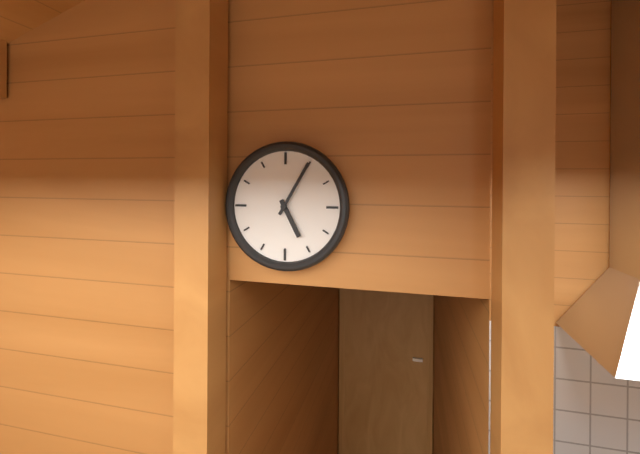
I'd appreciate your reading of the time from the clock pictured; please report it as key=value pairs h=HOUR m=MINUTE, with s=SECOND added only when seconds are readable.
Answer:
h=5 m=5
